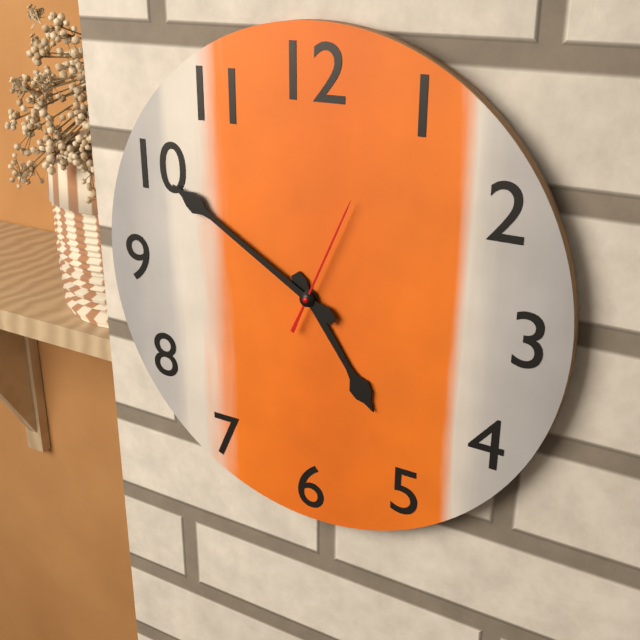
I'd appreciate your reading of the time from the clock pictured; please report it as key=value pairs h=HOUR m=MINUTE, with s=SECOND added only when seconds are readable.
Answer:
h=4 m=50 s=4
